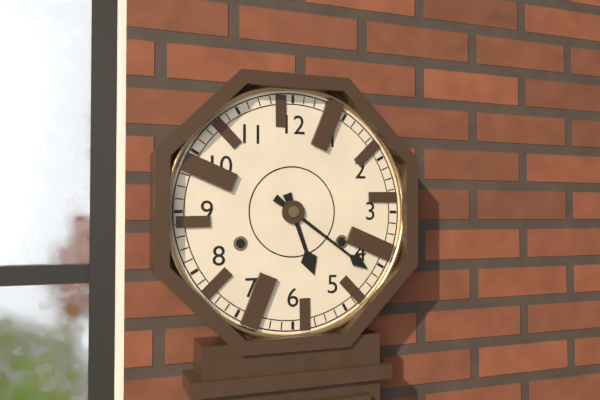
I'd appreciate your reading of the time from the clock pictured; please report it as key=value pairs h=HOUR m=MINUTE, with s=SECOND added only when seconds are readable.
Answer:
h=5 m=21
